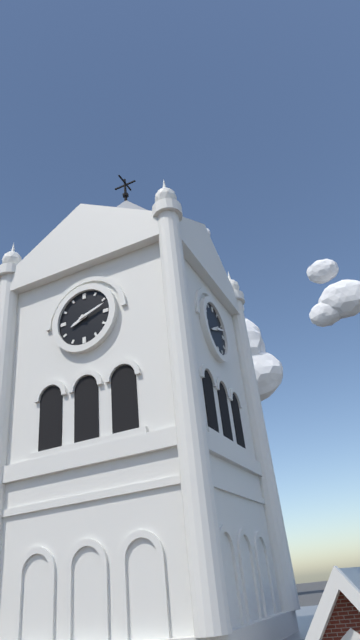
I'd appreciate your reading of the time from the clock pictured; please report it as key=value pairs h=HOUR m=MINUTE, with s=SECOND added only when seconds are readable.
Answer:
h=8 m=12
